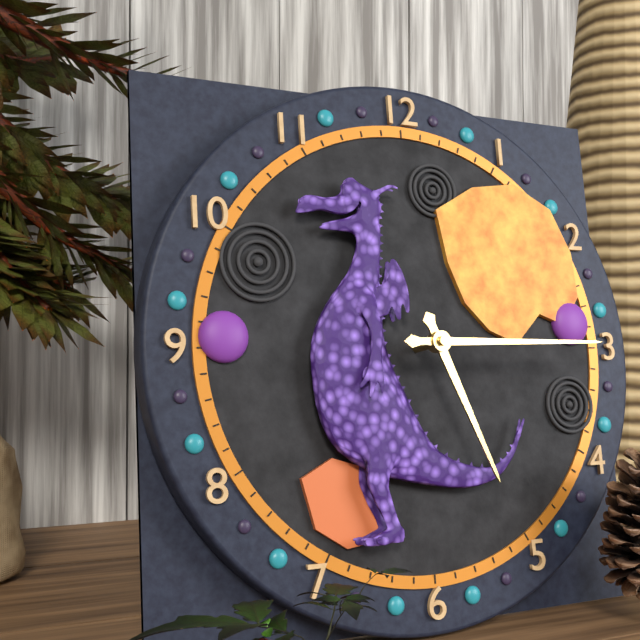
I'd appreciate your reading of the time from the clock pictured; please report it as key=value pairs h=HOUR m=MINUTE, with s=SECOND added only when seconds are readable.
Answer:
h=5 m=15
